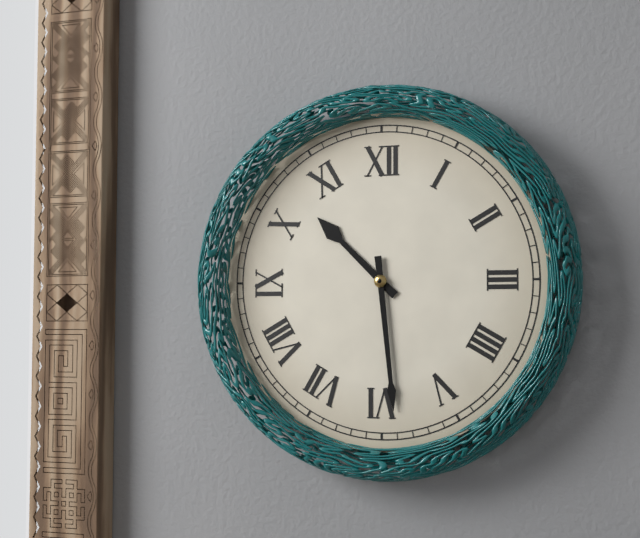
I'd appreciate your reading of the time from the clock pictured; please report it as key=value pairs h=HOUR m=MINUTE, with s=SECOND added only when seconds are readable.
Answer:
h=10 m=29
